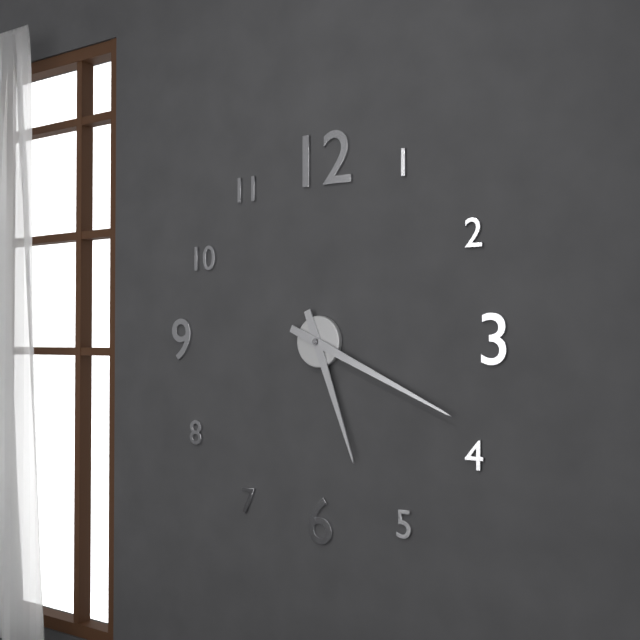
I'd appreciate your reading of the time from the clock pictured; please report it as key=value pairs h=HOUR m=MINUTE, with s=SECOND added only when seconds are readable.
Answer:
h=5 m=19
